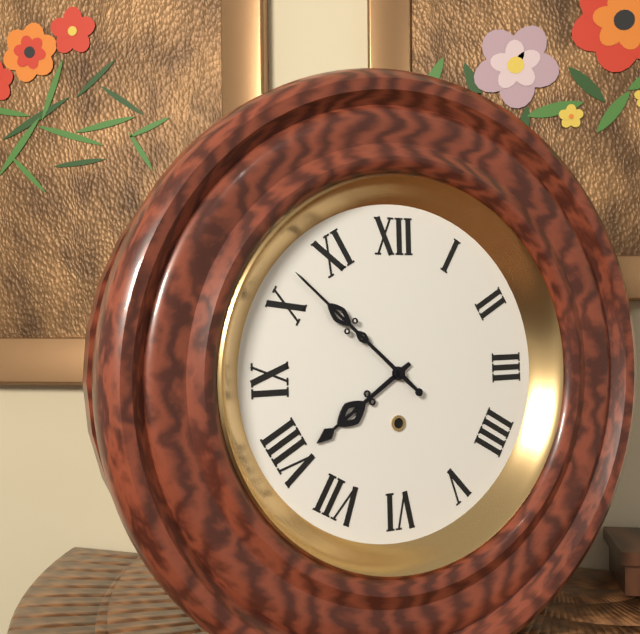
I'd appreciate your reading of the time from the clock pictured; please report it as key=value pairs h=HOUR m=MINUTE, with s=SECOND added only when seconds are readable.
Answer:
h=7 m=52
